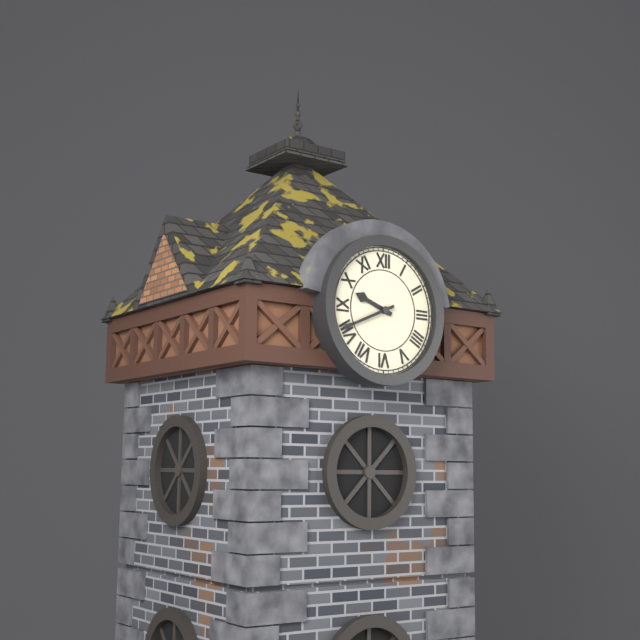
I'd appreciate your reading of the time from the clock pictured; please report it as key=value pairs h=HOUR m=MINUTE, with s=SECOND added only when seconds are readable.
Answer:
h=9 m=41
